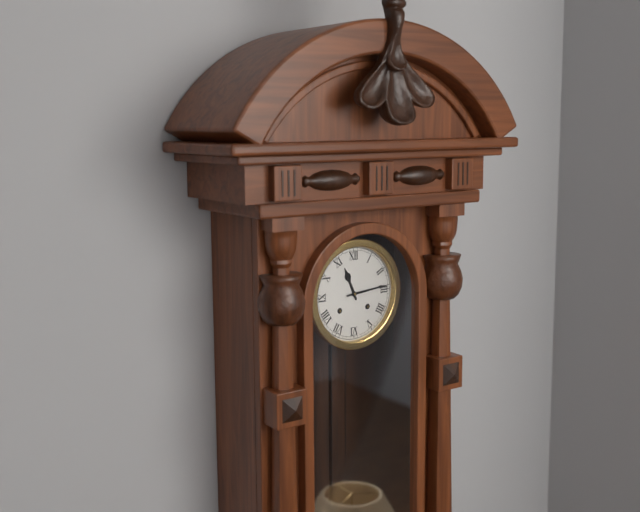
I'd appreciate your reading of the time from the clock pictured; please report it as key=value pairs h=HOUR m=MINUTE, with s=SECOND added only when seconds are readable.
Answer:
h=11 m=14
